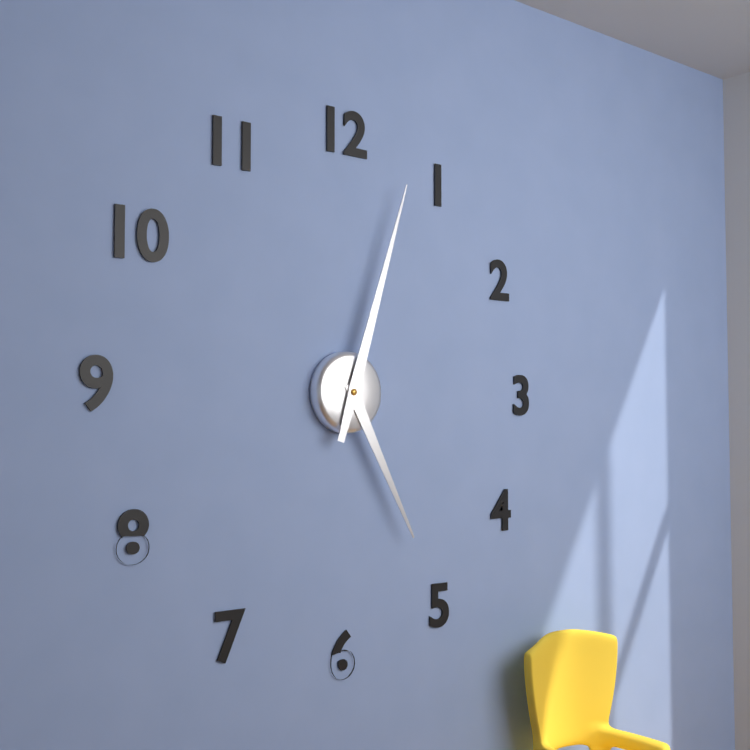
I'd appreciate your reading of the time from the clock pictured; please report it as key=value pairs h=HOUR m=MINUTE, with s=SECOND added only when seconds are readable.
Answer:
h=5 m=3
